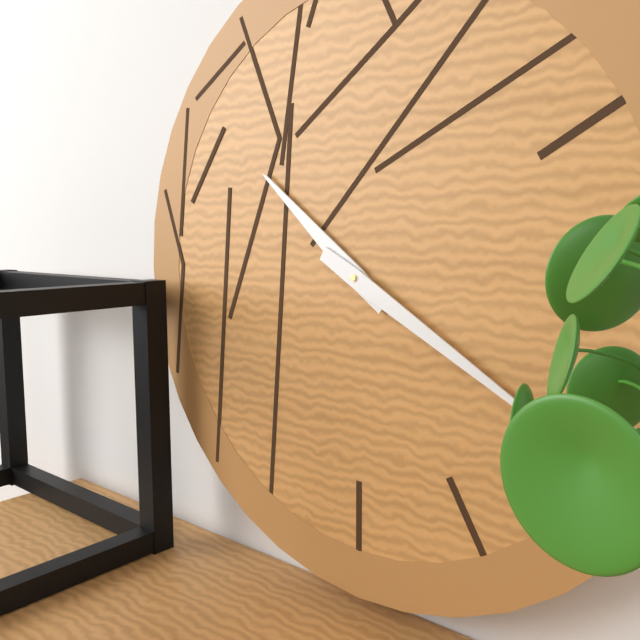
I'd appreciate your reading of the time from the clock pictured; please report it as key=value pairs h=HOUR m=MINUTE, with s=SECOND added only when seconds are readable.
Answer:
h=10 m=20
